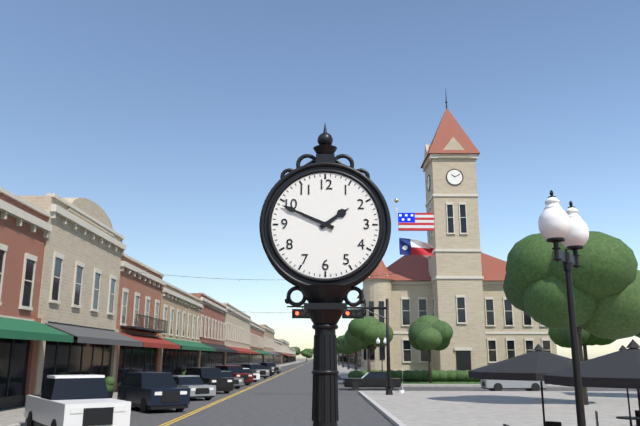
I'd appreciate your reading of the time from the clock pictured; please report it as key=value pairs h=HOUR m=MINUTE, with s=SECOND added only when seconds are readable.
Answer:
h=1 m=49
